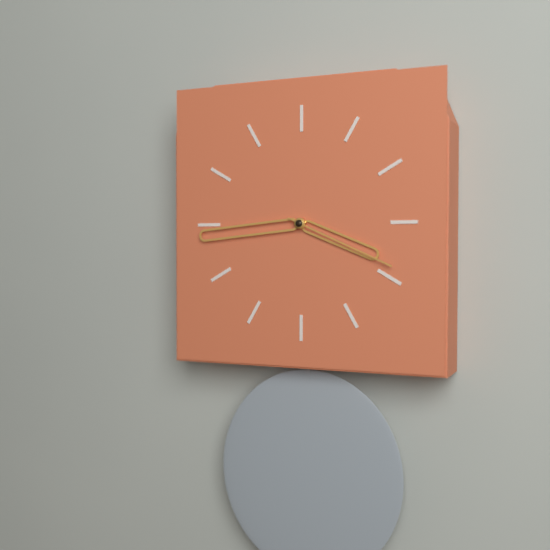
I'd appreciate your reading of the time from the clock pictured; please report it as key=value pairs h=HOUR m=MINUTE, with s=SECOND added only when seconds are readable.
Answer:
h=3 m=44 s=19
